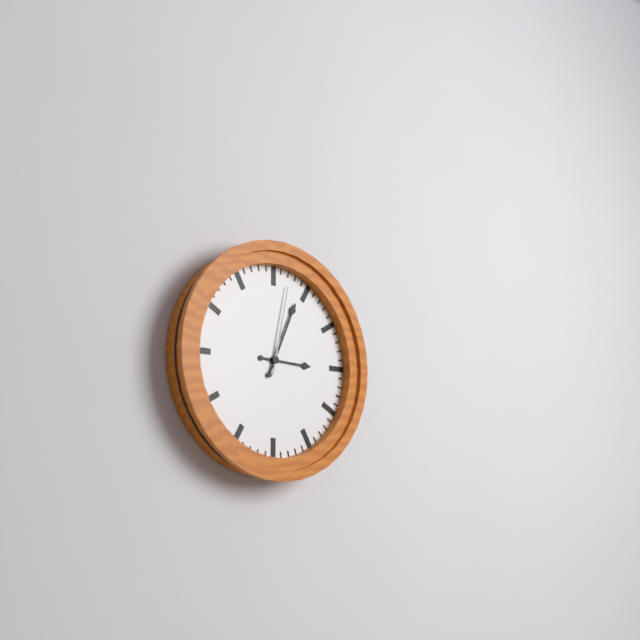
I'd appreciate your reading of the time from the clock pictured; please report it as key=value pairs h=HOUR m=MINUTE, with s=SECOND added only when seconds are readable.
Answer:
h=3 m=4 s=2
